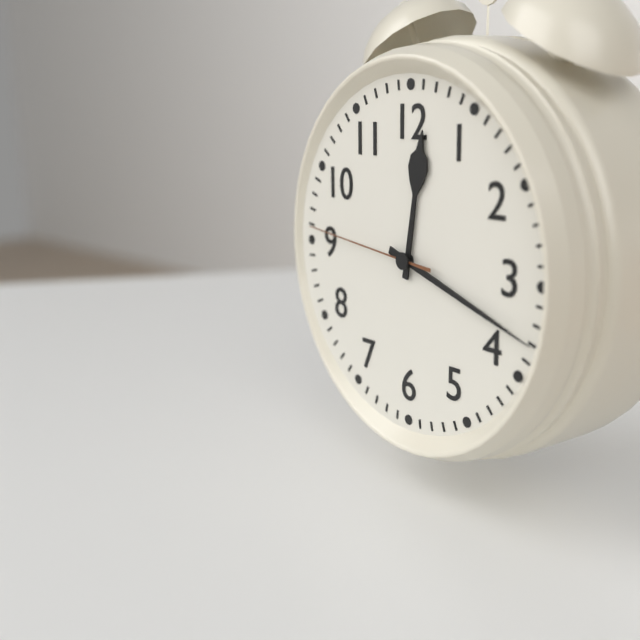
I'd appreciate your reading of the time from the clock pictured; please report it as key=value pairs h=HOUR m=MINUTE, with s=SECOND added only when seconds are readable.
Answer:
h=12 m=18 s=46
